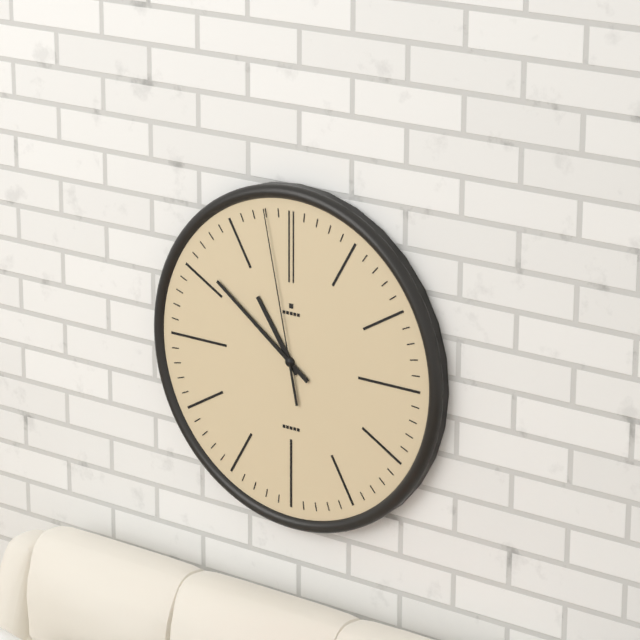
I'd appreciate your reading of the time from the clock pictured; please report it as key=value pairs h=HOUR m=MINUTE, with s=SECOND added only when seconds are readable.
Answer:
h=10 m=51 s=58
